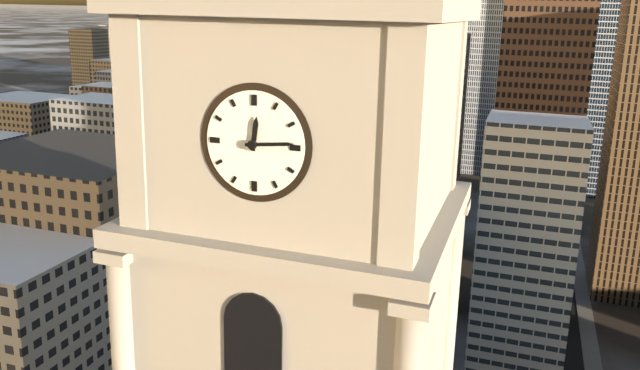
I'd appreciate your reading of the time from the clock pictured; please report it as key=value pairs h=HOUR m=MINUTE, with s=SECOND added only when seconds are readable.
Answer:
h=12 m=14
